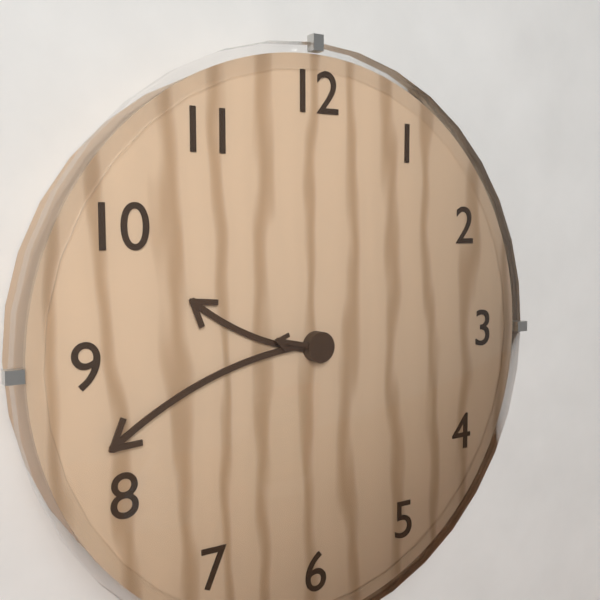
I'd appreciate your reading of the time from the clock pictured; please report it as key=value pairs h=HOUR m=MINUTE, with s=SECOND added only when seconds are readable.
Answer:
h=9 m=42 s=47
